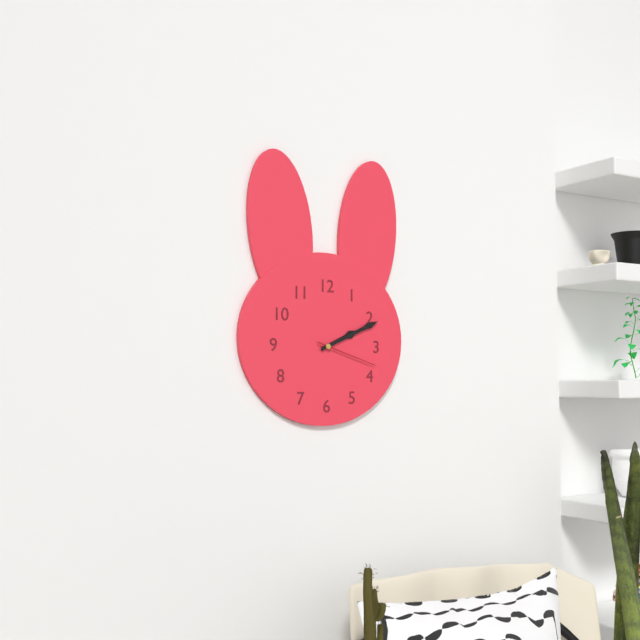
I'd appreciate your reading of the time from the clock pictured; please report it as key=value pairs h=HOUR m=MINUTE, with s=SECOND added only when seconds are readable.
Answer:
h=2 m=11 s=18
